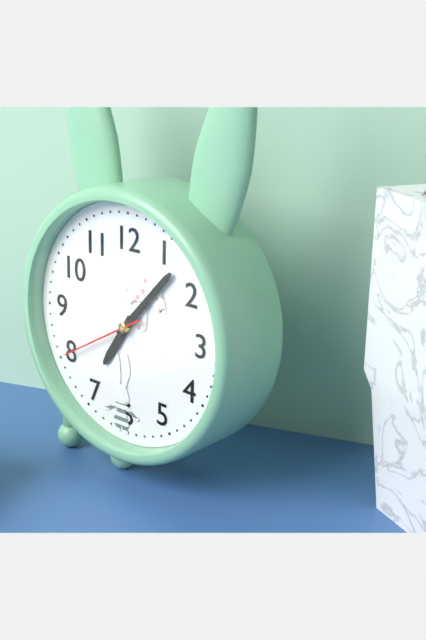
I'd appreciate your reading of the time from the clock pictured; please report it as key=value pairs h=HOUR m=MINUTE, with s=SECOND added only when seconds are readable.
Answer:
h=7 m=7 s=40
